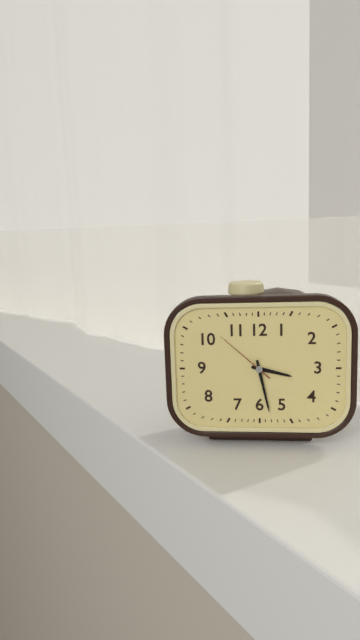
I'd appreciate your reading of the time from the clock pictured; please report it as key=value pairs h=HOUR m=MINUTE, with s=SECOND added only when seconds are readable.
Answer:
h=3 m=28 s=52
